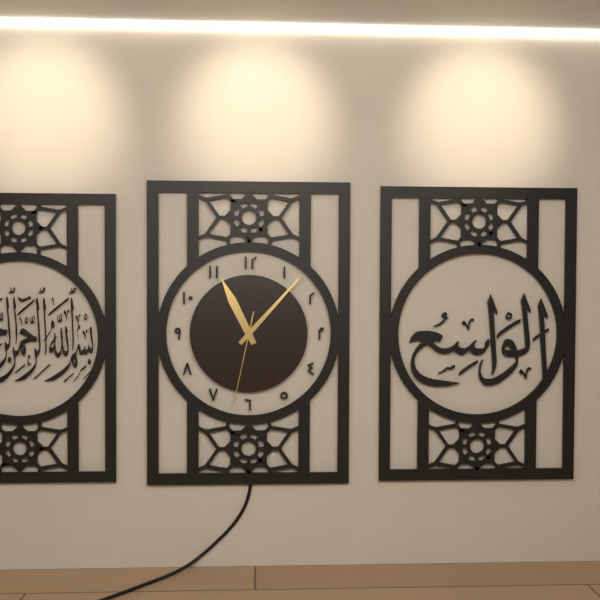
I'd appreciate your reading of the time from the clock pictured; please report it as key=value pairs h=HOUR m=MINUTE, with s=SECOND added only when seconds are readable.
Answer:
h=11 m=7 s=32
